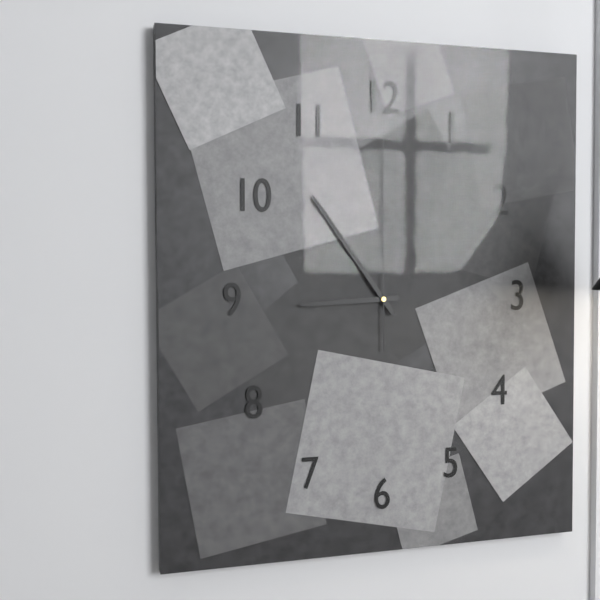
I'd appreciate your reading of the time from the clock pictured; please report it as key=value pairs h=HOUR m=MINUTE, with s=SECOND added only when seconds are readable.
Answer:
h=8 m=54 s=0
